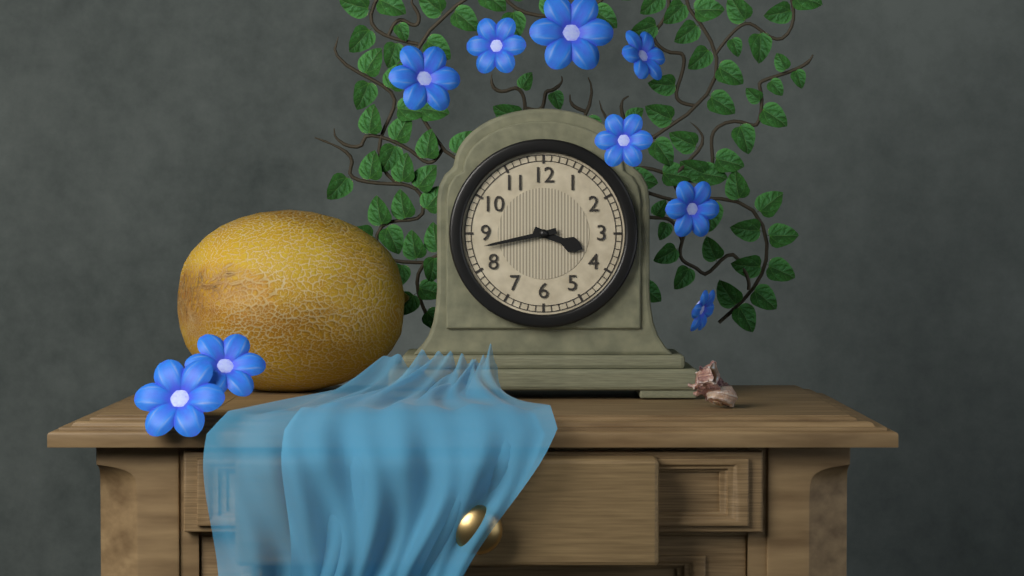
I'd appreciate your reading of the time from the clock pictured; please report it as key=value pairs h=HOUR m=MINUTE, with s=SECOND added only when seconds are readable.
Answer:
h=3 m=43
